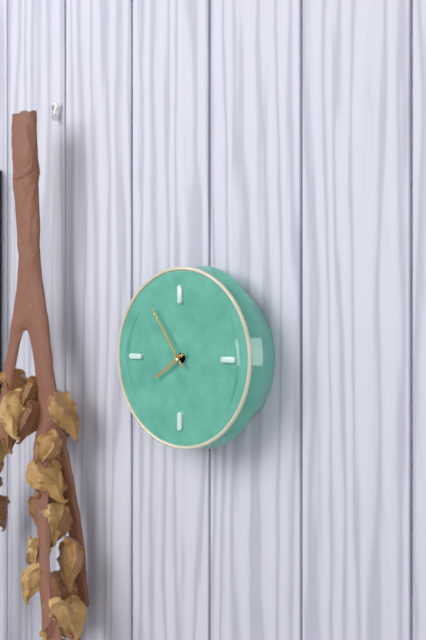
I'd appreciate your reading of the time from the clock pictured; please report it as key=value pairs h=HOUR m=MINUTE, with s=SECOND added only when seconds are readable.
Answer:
h=7 m=54
